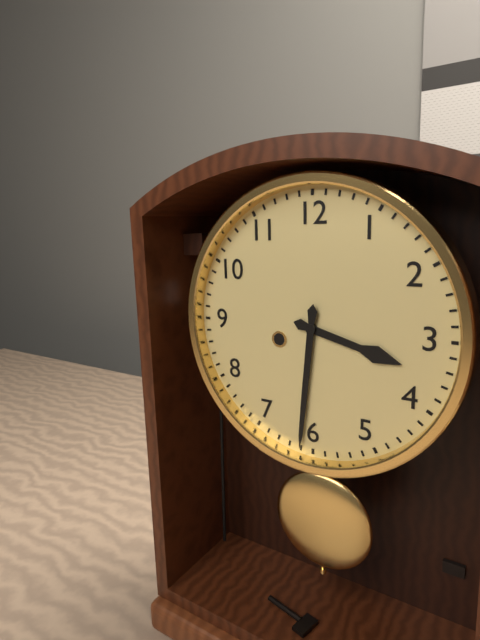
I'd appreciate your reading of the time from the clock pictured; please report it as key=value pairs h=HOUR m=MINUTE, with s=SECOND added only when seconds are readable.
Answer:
h=3 m=31
